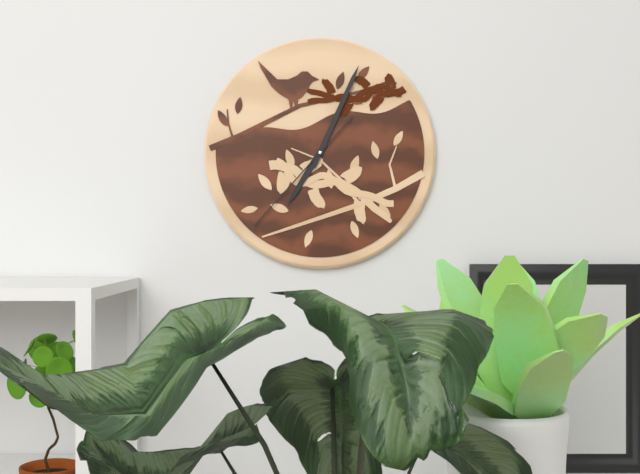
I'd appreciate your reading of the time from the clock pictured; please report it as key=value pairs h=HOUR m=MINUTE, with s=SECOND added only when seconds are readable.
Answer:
h=7 m=4 s=37
